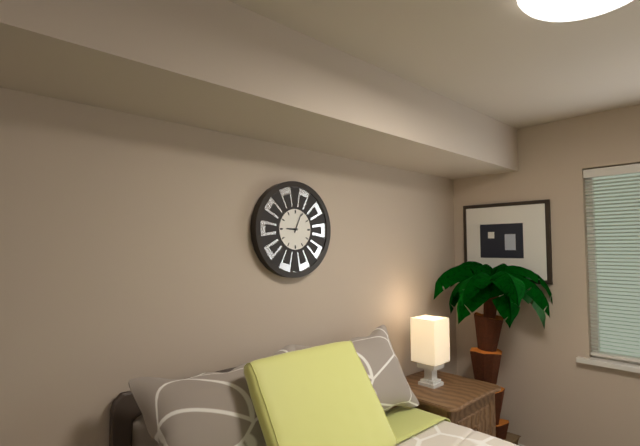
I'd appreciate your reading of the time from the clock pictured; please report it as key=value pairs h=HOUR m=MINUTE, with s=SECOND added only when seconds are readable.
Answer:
h=9 m=4
